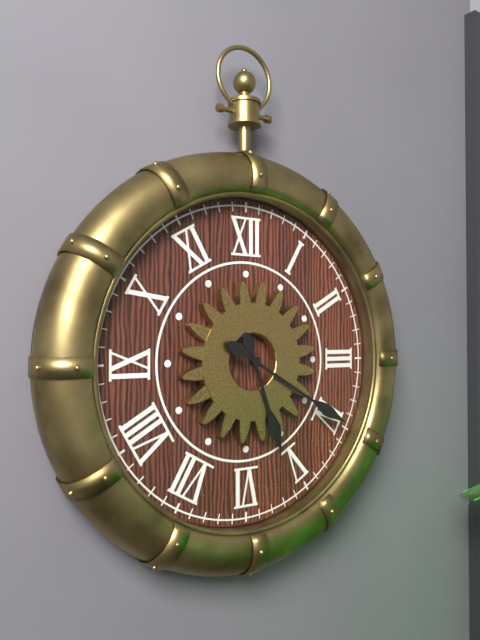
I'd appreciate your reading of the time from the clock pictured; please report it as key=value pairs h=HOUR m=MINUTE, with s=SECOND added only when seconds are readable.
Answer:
h=5 m=20
